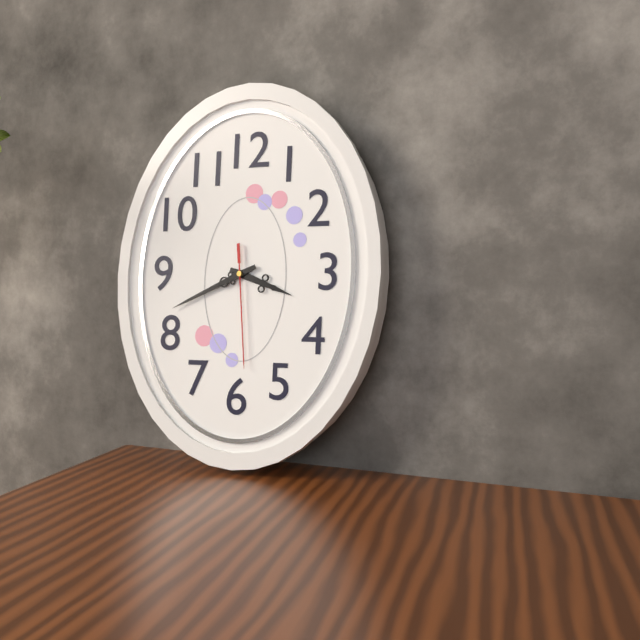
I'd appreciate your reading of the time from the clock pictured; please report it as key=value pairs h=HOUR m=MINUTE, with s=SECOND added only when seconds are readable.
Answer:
h=3 m=41 s=29
